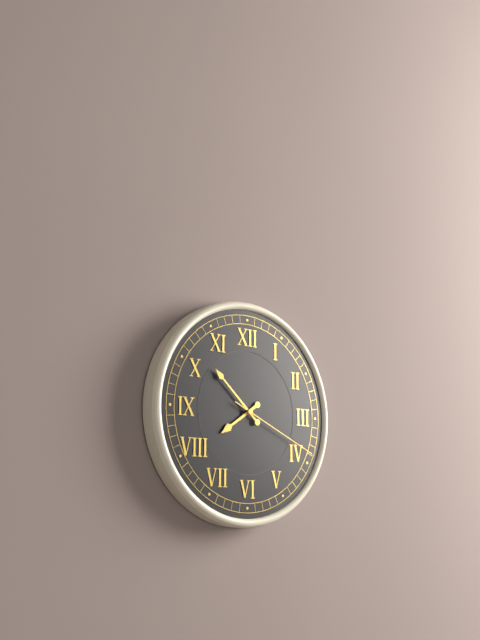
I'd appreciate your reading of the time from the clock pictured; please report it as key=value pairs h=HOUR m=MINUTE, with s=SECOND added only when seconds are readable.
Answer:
h=7 m=52 s=19
